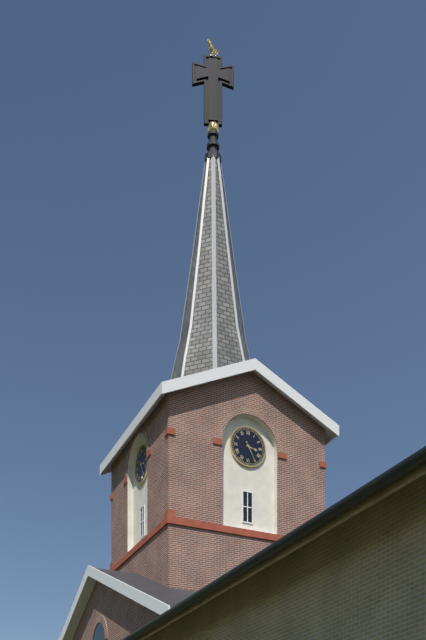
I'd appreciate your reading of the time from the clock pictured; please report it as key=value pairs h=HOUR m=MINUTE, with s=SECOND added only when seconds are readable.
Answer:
h=3 m=25
